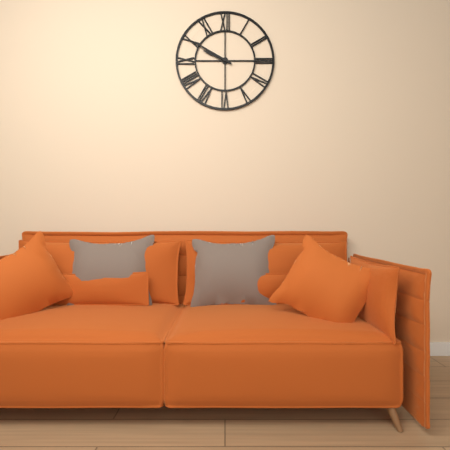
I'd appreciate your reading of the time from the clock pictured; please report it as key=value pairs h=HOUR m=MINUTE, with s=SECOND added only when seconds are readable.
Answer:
h=9 m=50
